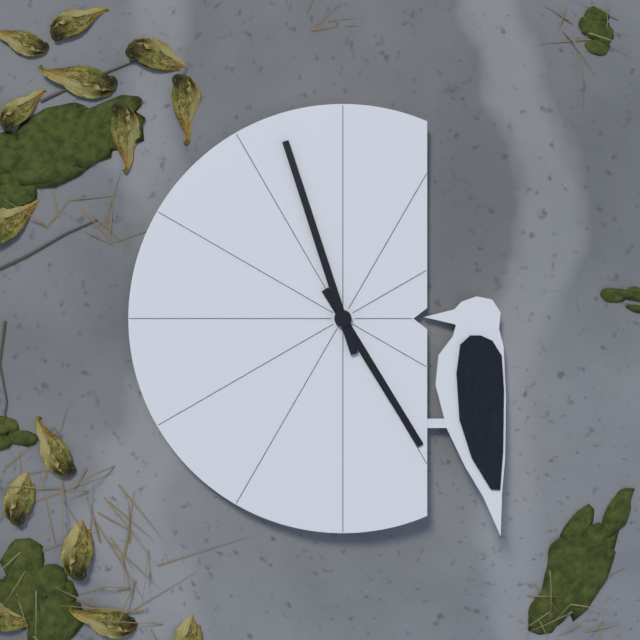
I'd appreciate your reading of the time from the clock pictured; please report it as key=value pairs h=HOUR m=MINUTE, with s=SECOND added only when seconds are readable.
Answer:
h=4 m=57
